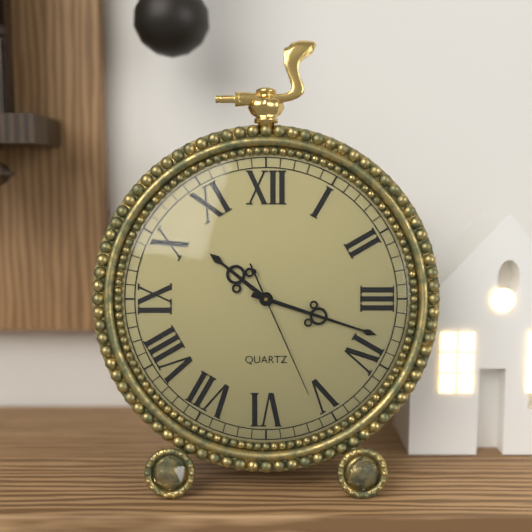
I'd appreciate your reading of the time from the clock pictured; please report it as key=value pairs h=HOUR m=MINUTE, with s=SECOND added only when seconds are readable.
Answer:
h=10 m=18 s=26
